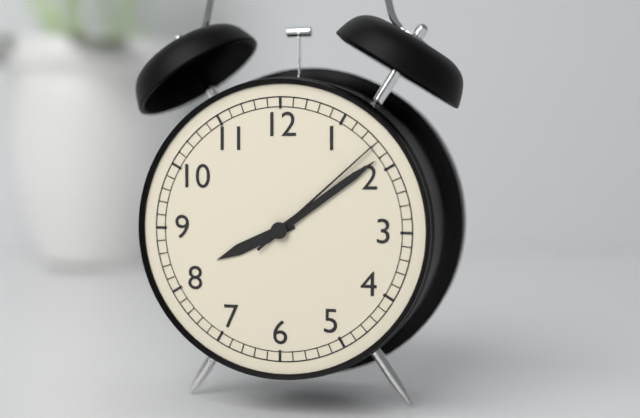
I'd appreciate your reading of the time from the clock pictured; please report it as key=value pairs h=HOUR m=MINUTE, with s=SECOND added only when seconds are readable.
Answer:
h=8 m=9 s=8
